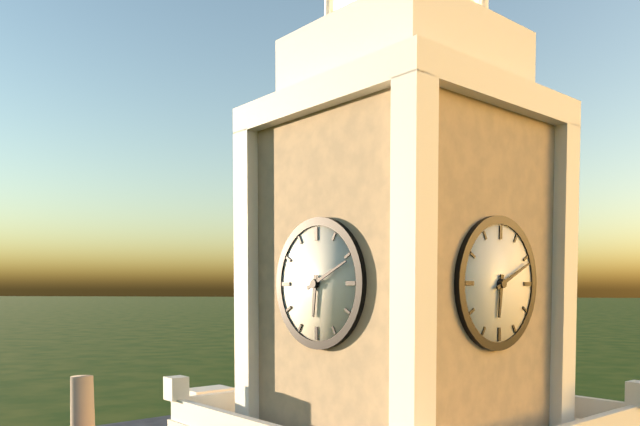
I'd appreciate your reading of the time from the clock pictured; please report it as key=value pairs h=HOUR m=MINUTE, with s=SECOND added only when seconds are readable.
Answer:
h=6 m=11
